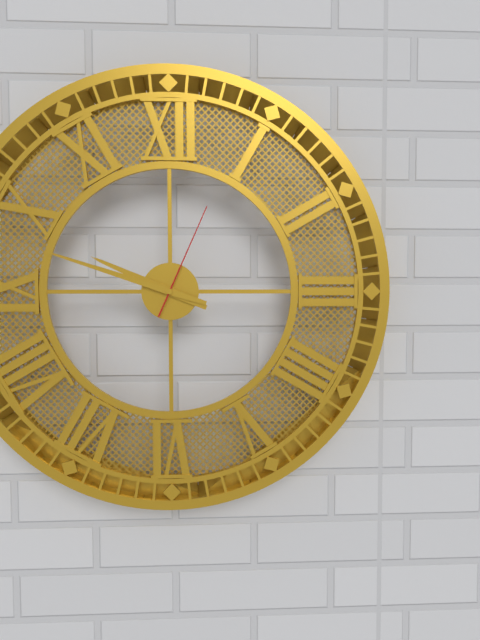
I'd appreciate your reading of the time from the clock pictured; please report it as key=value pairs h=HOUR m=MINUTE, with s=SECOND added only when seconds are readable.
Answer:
h=9 m=48 s=4
